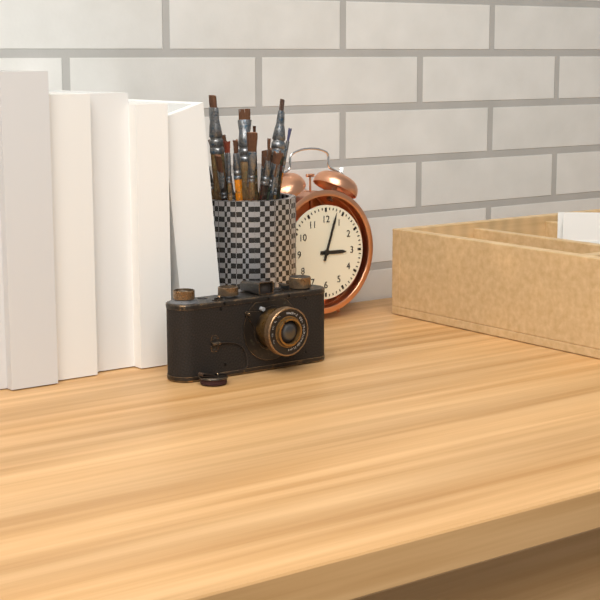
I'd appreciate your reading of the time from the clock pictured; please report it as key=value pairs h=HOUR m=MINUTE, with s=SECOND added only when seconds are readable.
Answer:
h=3 m=3
